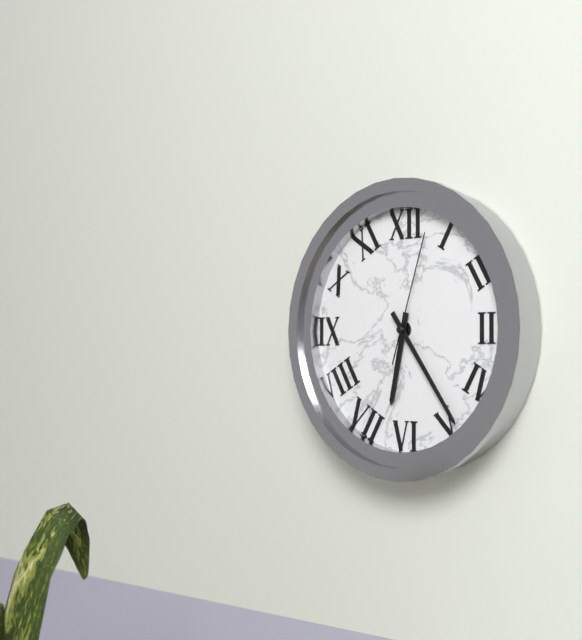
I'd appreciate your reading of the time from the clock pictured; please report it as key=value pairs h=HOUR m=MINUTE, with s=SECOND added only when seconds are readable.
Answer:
h=6 m=24 s=3
